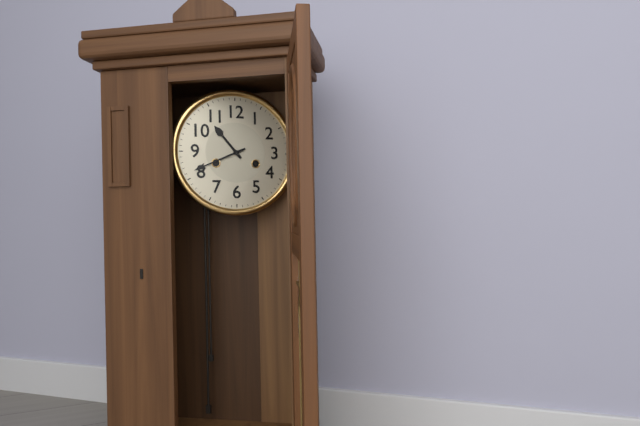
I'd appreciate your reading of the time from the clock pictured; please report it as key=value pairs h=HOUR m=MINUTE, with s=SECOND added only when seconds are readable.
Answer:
h=10 m=41
